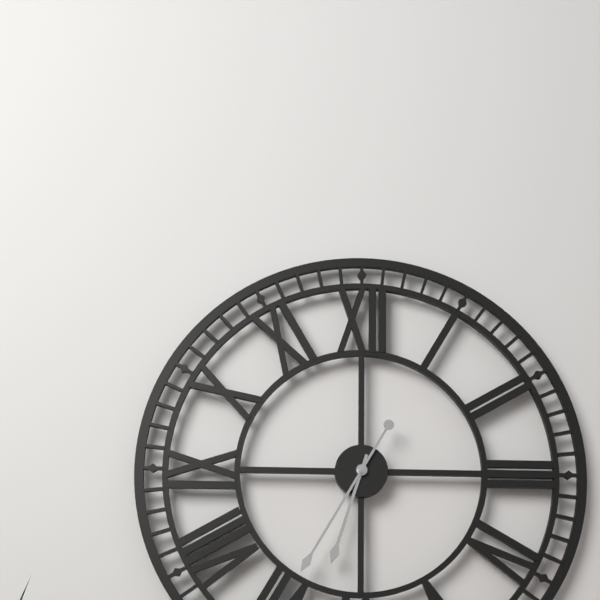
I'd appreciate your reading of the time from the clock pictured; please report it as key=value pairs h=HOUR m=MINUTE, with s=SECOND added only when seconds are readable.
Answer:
h=6 m=35
